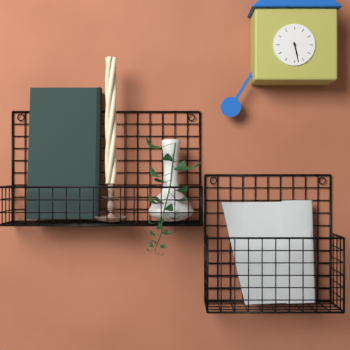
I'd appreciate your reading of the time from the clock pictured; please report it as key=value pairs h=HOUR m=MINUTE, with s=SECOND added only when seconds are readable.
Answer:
h=5 m=28
